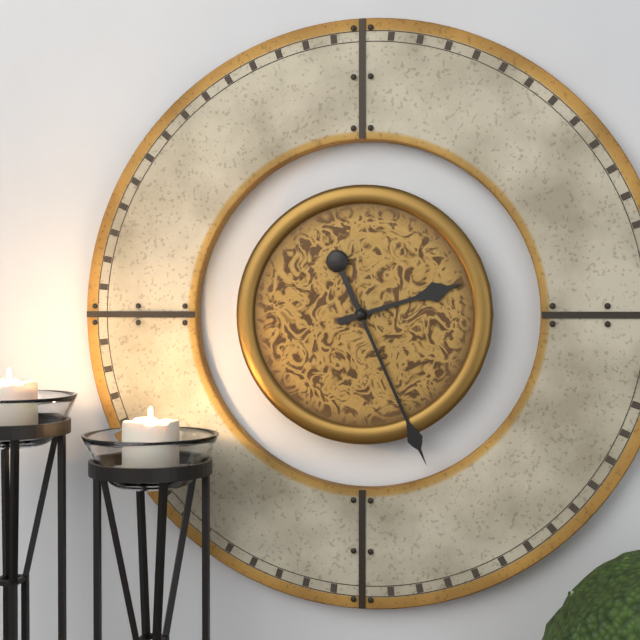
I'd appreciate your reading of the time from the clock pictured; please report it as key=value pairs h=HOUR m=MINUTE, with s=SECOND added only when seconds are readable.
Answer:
h=2 m=26
